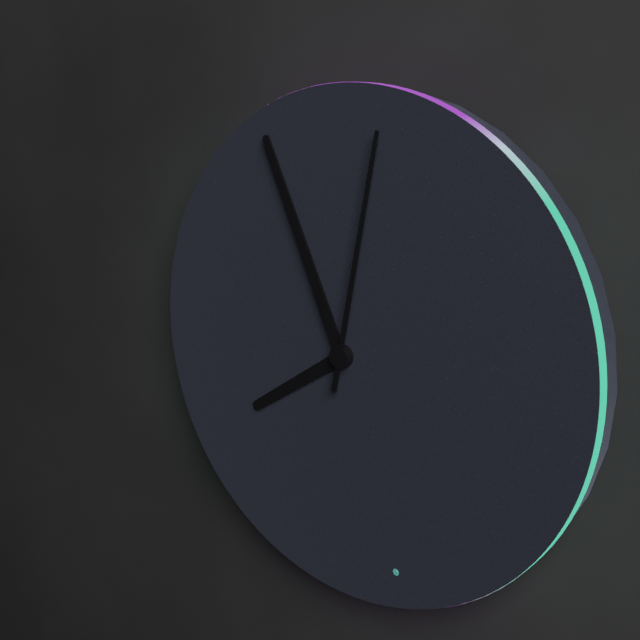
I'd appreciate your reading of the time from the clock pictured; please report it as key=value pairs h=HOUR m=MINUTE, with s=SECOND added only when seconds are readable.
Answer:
h=7 m=56 s=2
